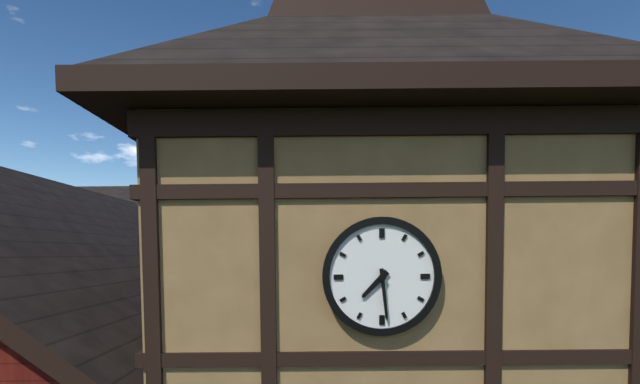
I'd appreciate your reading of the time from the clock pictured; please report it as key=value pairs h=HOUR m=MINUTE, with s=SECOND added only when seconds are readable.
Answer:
h=7 m=29
